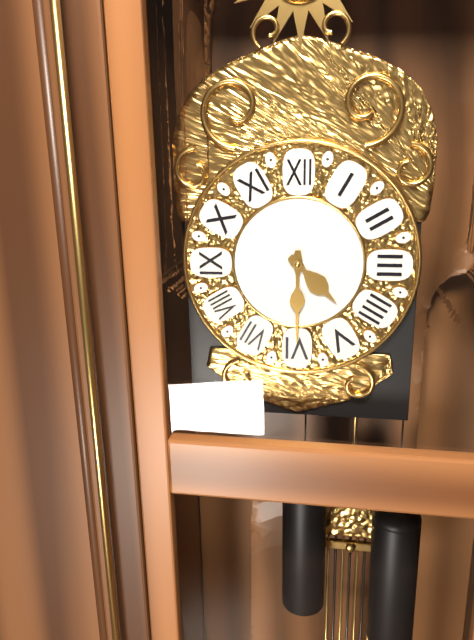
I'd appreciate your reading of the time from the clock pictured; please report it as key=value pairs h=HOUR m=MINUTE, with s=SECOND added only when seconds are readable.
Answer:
h=4 m=30
